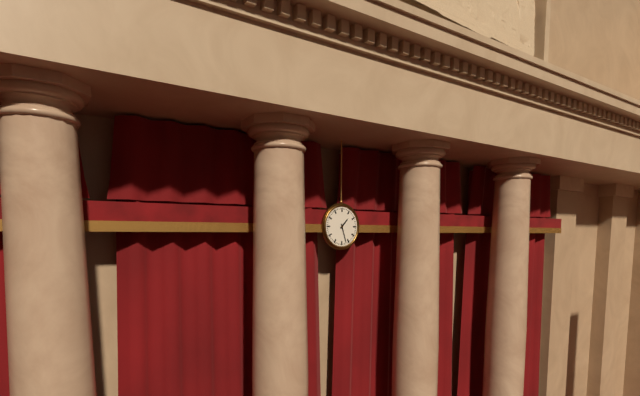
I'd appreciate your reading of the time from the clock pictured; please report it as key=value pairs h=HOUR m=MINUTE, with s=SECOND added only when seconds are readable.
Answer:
h=1 m=27
